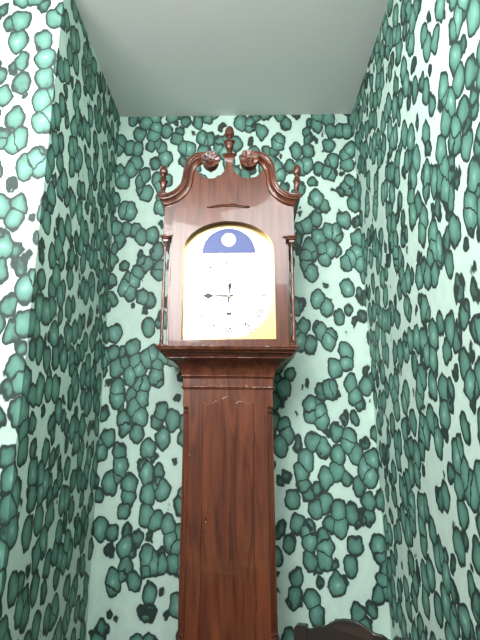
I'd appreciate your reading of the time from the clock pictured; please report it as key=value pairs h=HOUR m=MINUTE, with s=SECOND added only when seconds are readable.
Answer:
h=9 m=1
